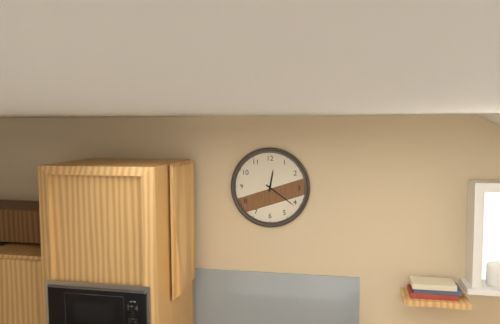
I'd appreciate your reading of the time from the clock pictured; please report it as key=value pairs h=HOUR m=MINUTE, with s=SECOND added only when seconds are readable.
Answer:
h=12 m=21
